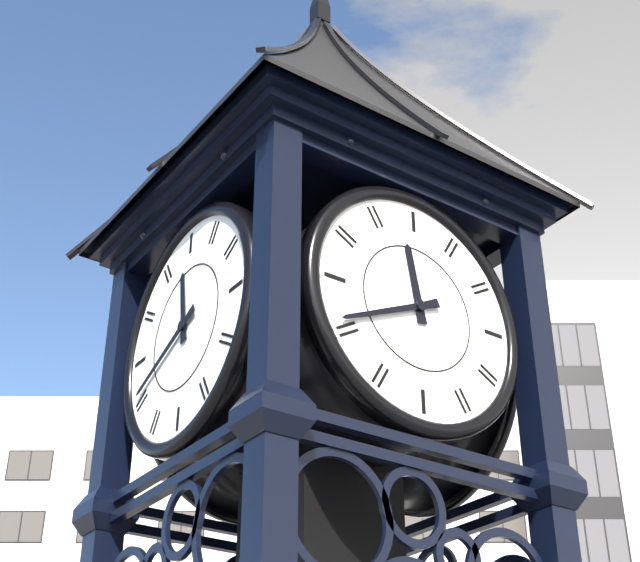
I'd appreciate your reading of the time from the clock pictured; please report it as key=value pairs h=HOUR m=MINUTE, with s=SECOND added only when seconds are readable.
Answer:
h=11 m=41
